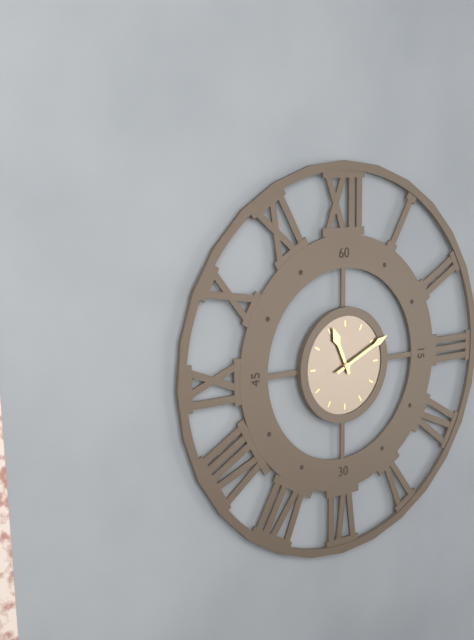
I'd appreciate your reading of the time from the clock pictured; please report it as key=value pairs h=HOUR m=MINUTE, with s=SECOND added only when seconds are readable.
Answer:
h=11 m=11
